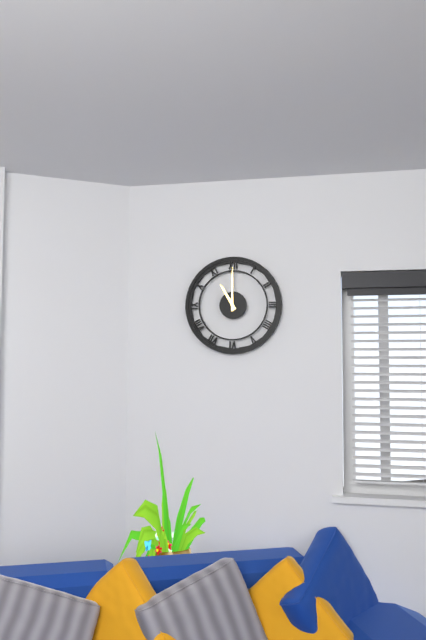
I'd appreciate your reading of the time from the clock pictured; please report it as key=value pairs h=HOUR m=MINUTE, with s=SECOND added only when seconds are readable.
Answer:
h=11 m=0
